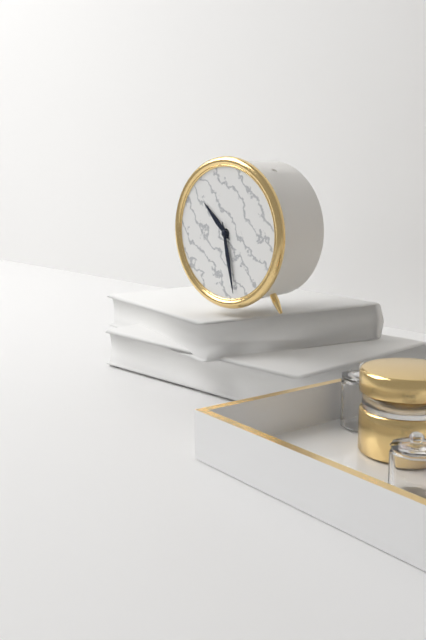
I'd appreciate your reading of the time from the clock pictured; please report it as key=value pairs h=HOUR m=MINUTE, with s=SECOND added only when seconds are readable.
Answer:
h=10 m=28
